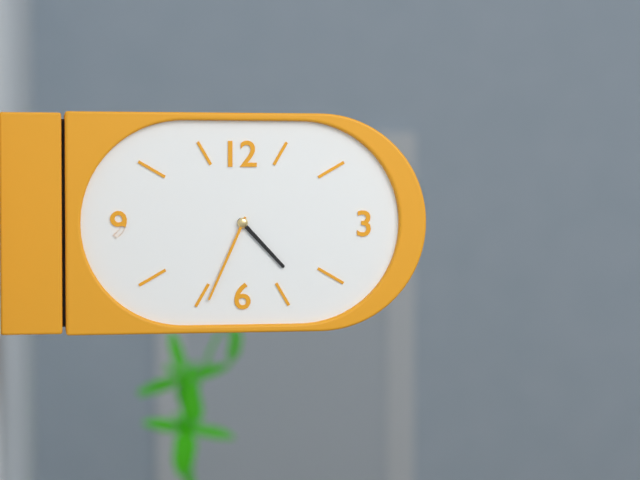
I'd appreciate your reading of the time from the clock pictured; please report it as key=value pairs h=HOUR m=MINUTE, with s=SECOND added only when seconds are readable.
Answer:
h=4 m=34
